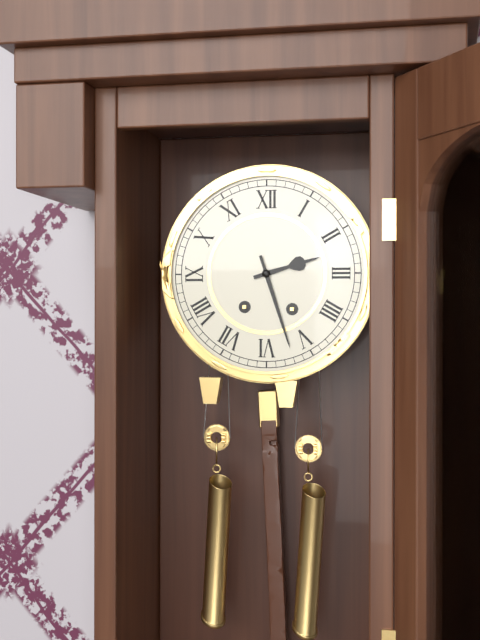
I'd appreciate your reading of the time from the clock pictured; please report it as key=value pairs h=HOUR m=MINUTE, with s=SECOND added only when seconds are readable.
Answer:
h=2 m=27
